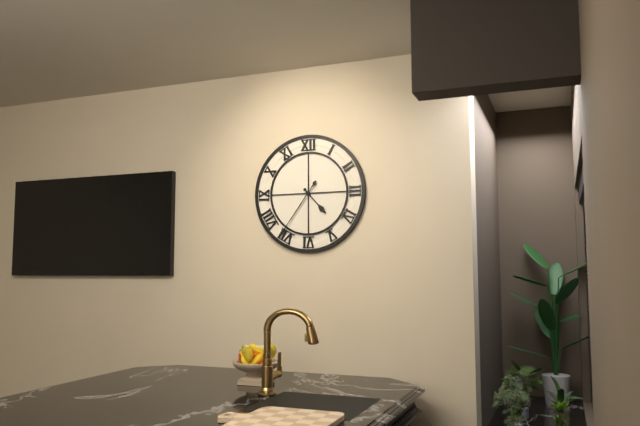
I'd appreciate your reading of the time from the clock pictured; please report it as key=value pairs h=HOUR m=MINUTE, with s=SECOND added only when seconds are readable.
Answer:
h=4 m=36
